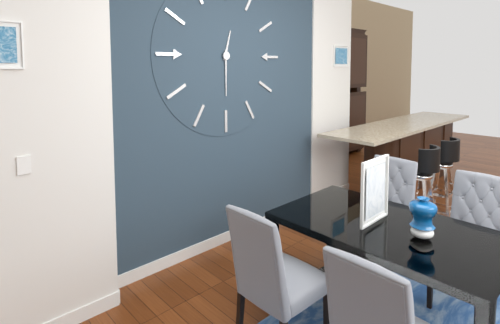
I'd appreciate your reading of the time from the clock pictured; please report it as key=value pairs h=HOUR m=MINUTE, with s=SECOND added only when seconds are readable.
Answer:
h=12 m=30
